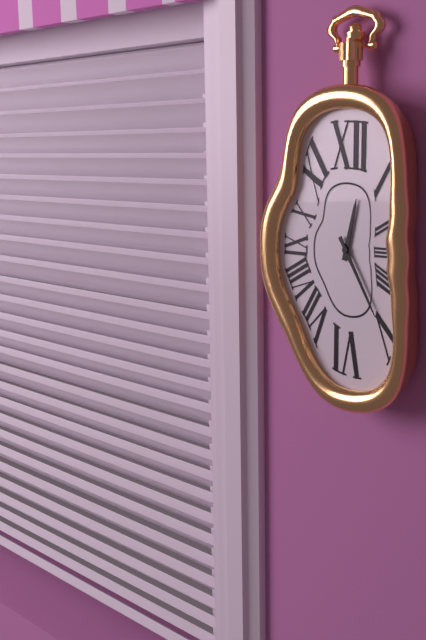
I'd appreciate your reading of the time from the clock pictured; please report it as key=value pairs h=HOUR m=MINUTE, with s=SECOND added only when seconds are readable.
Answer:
h=12 m=25
